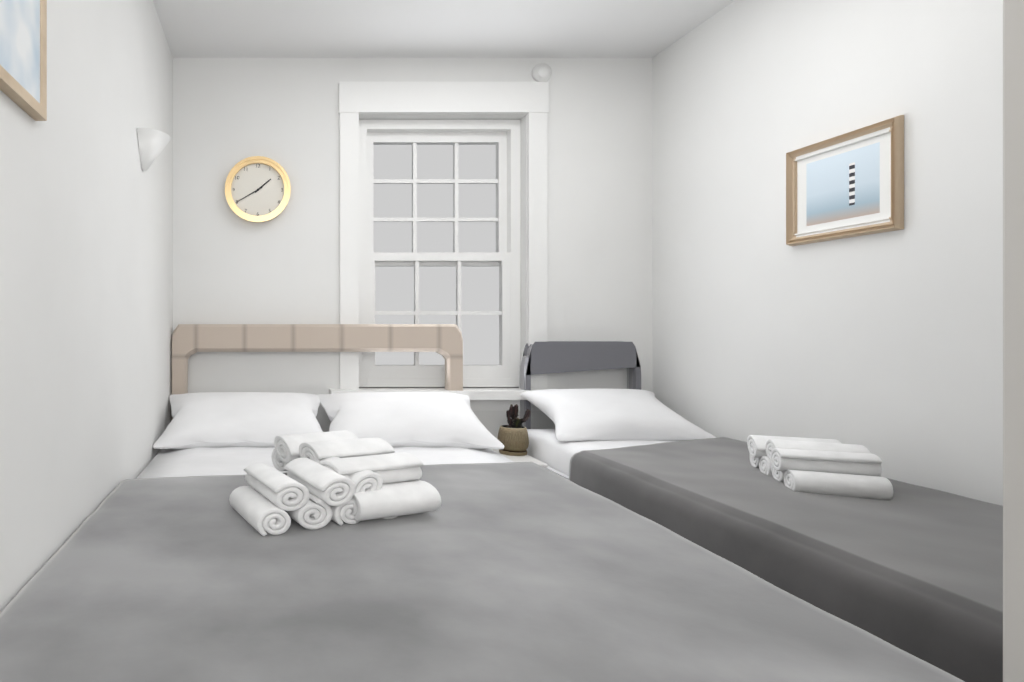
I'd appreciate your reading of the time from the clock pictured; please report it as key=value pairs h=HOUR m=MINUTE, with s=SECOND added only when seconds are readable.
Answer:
h=1 m=40
